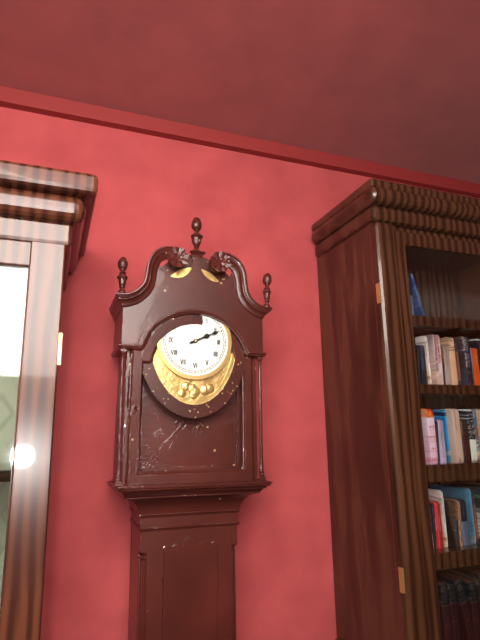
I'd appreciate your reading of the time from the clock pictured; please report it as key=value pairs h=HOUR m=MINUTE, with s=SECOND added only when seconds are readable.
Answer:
h=2 m=11
